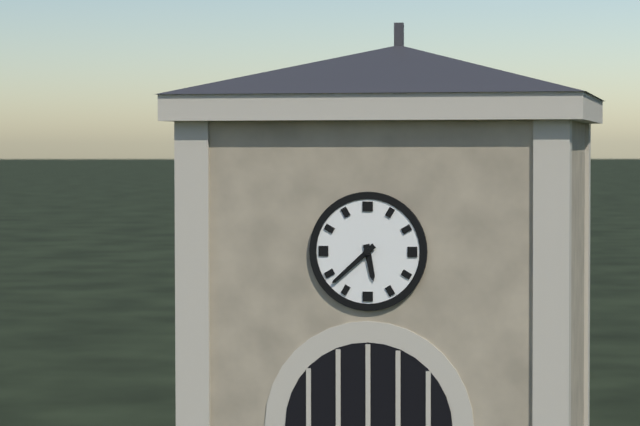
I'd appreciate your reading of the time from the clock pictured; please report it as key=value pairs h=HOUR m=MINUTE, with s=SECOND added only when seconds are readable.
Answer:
h=5 m=38
